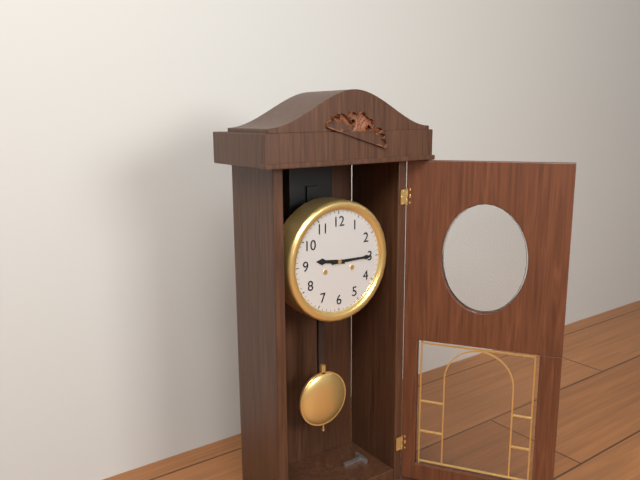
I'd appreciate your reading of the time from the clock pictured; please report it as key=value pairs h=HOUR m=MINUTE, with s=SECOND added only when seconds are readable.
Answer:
h=9 m=15
